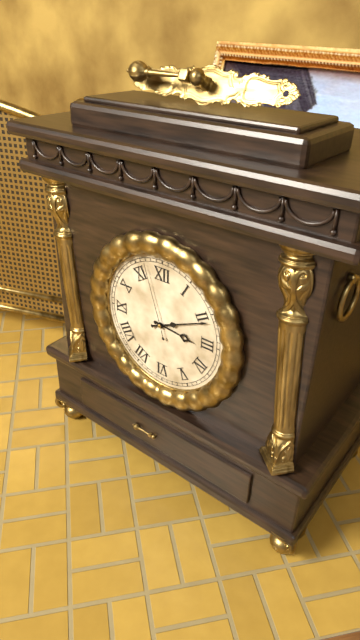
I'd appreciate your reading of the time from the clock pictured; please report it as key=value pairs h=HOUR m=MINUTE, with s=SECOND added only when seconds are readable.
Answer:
h=3 m=11 s=57
